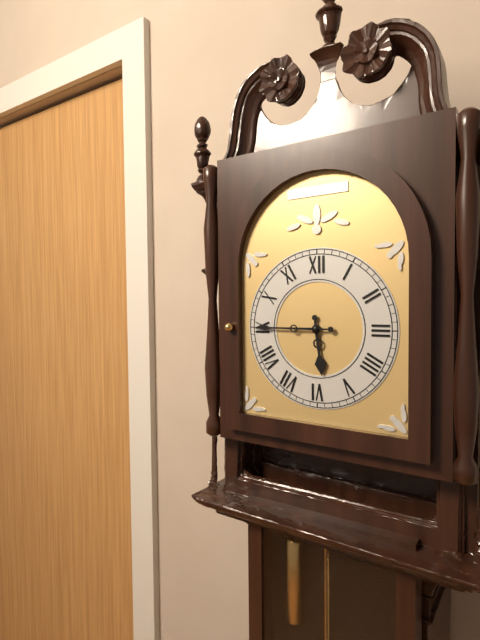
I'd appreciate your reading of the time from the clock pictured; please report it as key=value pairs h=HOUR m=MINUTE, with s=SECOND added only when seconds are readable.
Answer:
h=5 m=45
